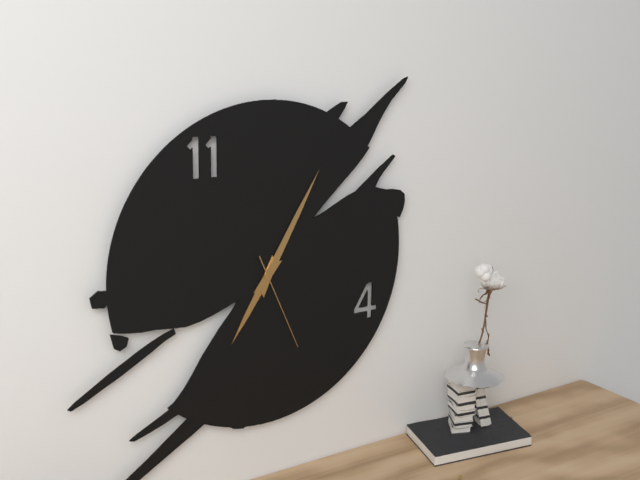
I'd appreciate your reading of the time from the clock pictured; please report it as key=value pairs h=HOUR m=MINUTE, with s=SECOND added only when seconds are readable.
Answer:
h=7 m=5 s=26
